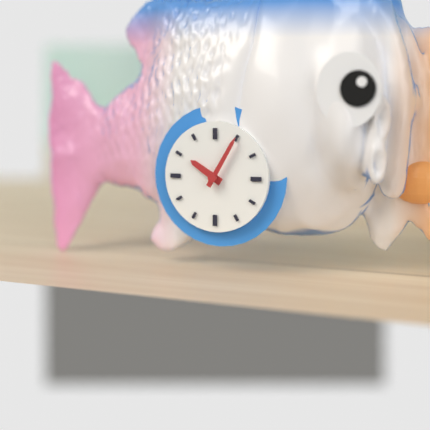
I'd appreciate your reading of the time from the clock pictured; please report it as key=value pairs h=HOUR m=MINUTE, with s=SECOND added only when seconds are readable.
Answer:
h=10 m=5
